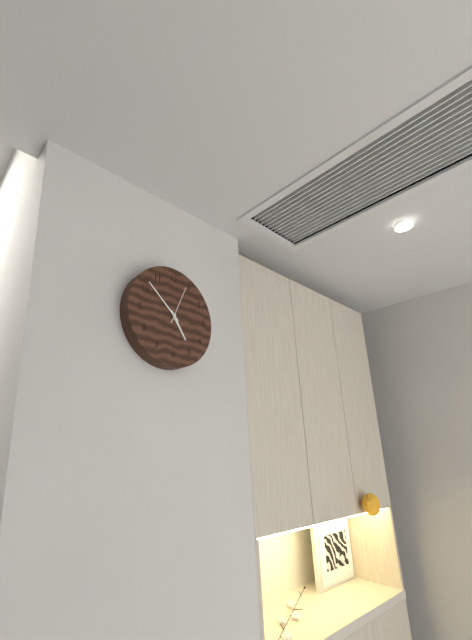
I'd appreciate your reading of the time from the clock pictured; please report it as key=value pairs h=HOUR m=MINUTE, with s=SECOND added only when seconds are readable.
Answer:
h=4 m=52
